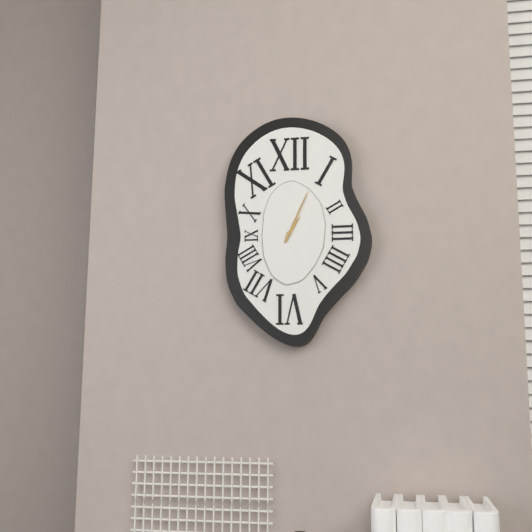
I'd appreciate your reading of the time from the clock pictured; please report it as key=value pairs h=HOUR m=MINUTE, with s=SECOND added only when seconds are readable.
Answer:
h=1 m=4
